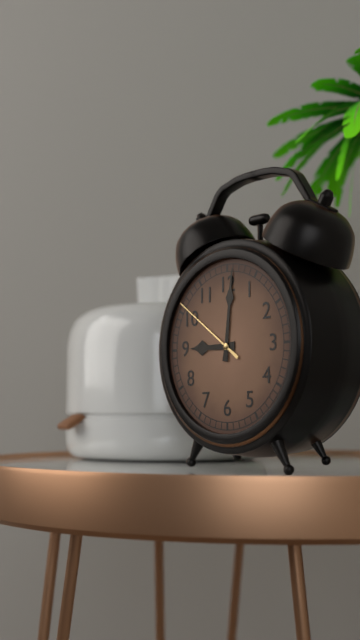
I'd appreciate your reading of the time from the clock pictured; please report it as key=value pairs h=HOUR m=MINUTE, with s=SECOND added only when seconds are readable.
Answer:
h=9 m=1 s=51
